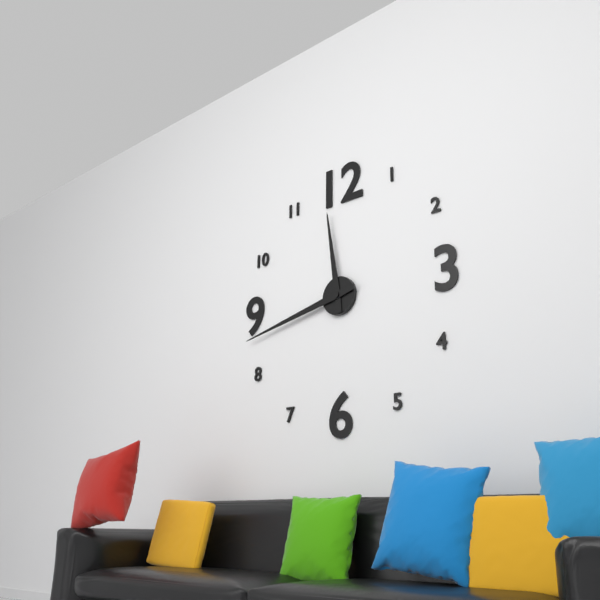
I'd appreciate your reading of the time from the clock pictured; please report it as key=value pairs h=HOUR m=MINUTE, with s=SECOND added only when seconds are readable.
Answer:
h=11 m=43
